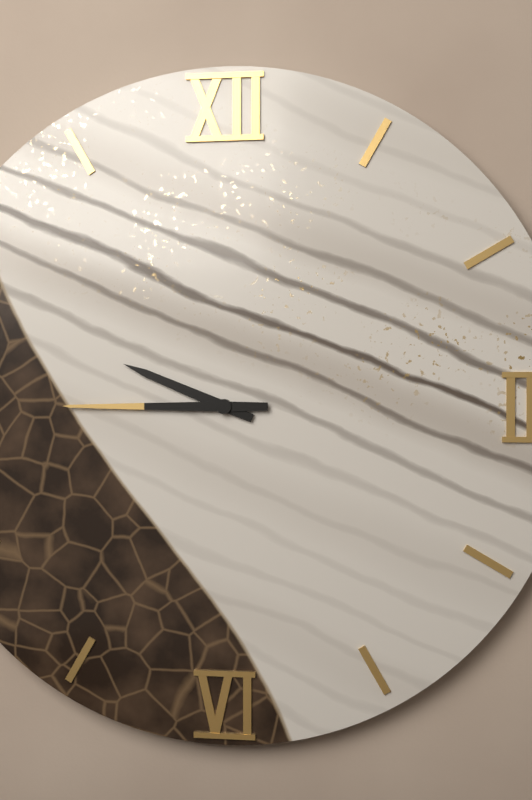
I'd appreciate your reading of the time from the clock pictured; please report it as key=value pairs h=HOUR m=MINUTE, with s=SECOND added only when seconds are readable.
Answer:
h=9 m=45
